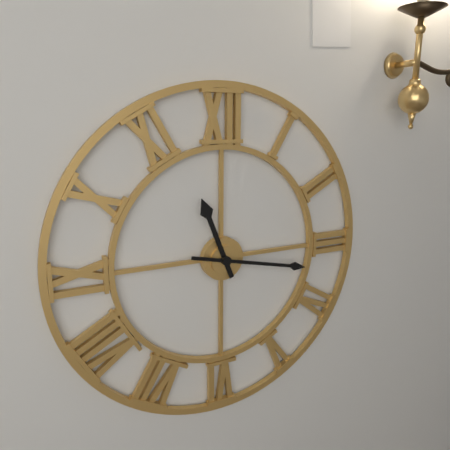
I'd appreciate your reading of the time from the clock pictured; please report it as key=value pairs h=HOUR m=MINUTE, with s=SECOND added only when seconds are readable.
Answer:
h=11 m=17
